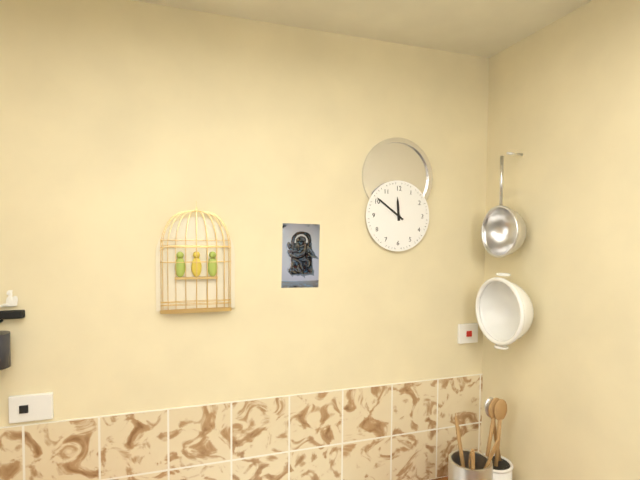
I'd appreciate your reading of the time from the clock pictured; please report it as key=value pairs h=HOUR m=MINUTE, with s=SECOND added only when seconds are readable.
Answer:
h=11 m=51
